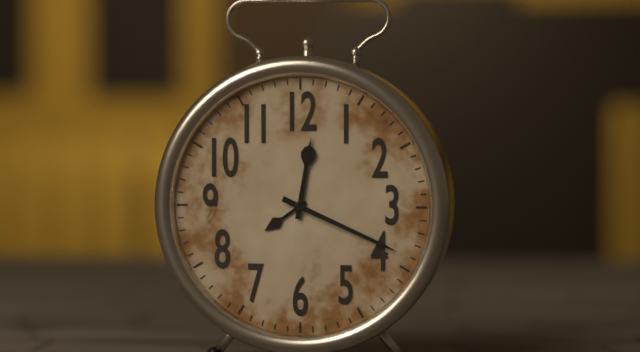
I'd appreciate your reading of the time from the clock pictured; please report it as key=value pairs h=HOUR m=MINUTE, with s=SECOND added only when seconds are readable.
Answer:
h=12 m=19
